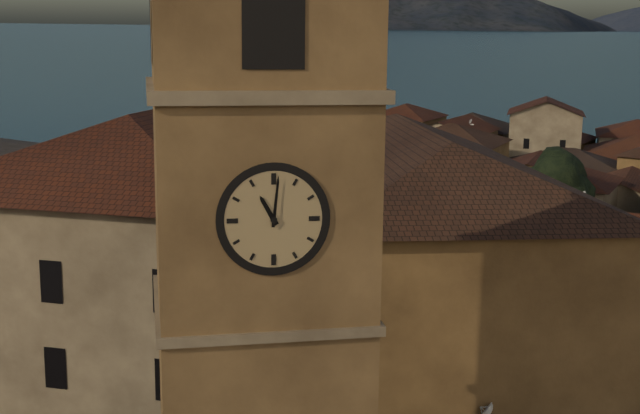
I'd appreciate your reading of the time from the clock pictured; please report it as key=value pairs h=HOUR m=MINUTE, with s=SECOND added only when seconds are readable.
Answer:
h=11 m=1
